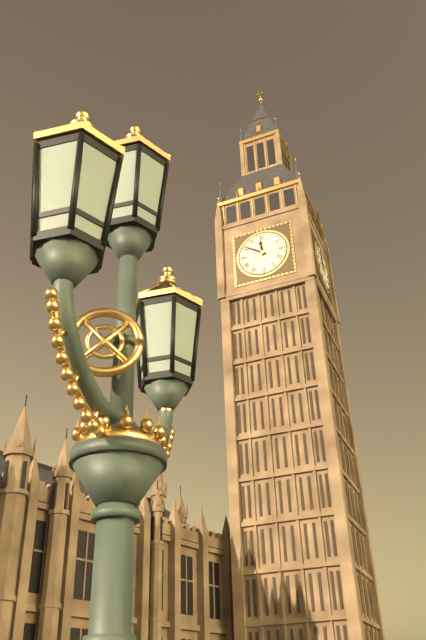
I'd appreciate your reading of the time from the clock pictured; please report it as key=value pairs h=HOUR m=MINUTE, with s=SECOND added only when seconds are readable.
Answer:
h=11 m=51
